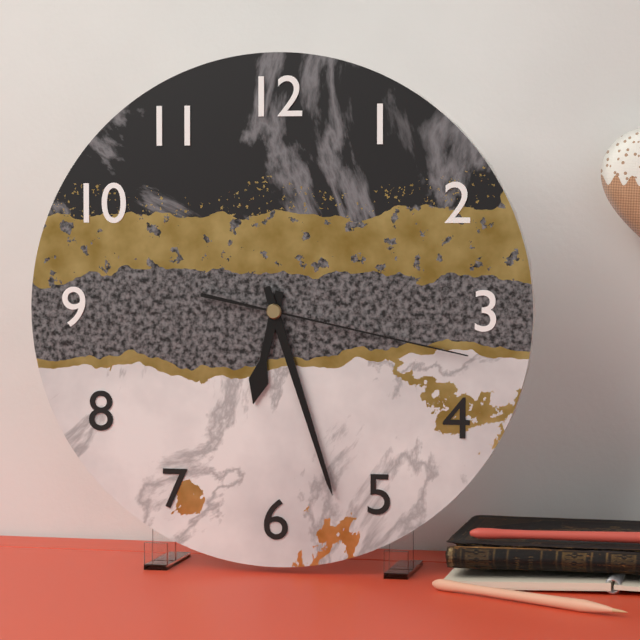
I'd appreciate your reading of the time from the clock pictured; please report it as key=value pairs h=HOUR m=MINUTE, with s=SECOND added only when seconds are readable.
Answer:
h=6 m=27 s=17
